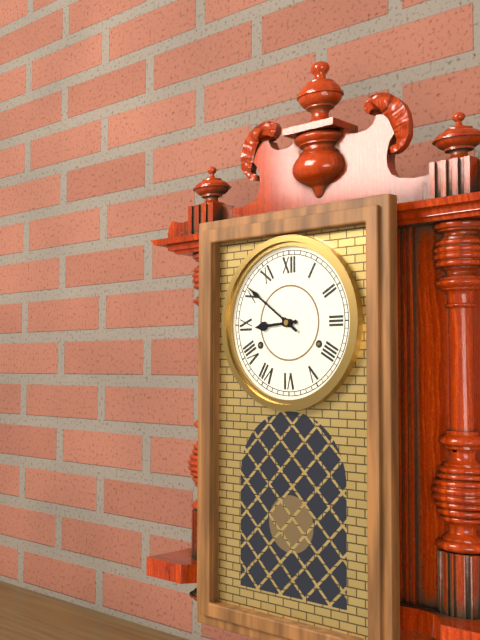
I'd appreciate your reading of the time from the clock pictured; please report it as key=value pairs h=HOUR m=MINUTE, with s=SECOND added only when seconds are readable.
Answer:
h=8 m=51
